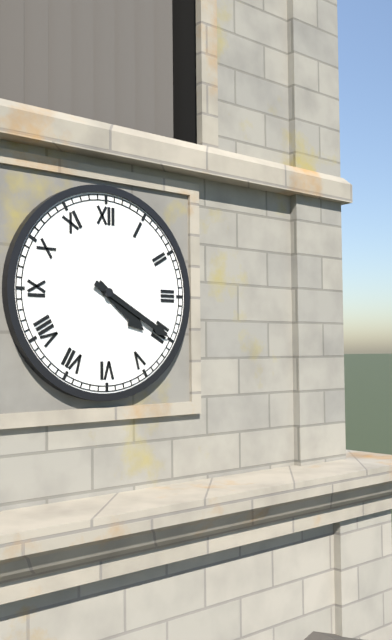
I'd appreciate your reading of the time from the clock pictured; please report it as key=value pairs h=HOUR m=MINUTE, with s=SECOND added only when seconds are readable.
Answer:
h=4 m=20
